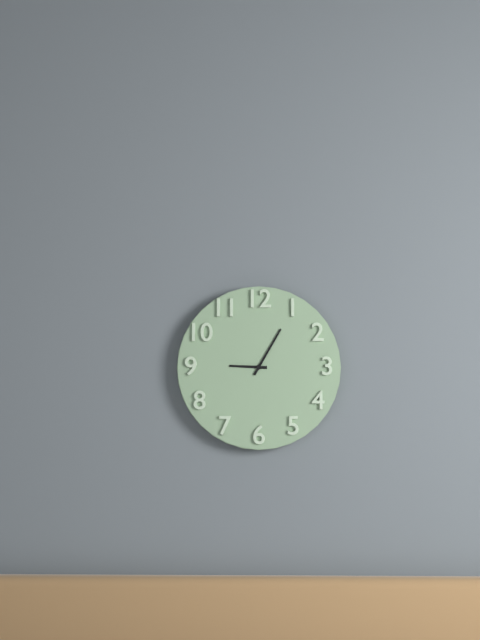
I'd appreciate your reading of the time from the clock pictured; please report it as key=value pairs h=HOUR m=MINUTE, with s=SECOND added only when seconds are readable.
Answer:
h=9 m=5
